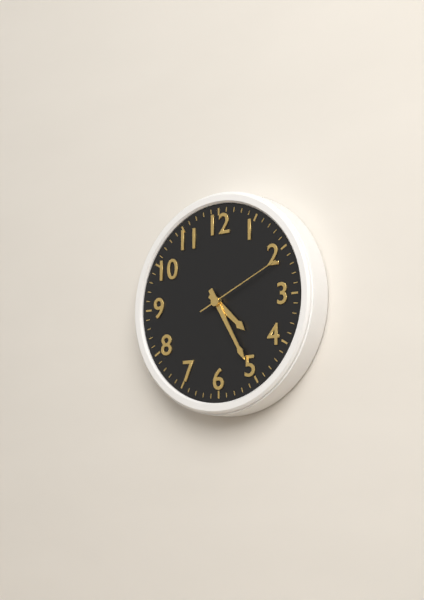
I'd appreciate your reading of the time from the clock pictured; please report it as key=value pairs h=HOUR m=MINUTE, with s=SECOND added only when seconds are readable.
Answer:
h=4 m=25 s=11
